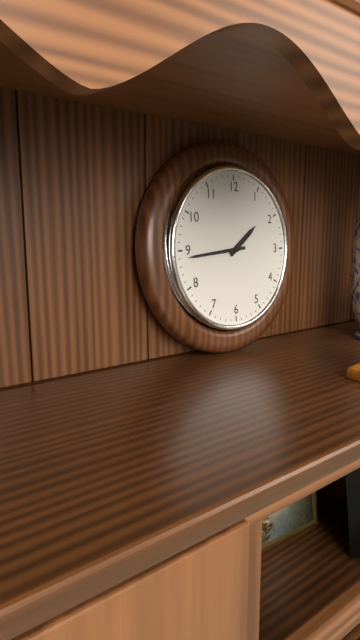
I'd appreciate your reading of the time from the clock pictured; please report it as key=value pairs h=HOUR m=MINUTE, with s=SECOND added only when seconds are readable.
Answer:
h=1 m=44
